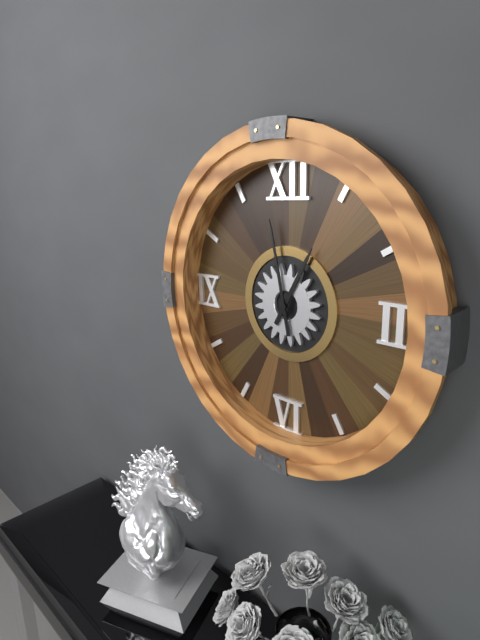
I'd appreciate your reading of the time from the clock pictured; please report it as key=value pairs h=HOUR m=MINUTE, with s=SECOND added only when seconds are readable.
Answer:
h=12 m=58
